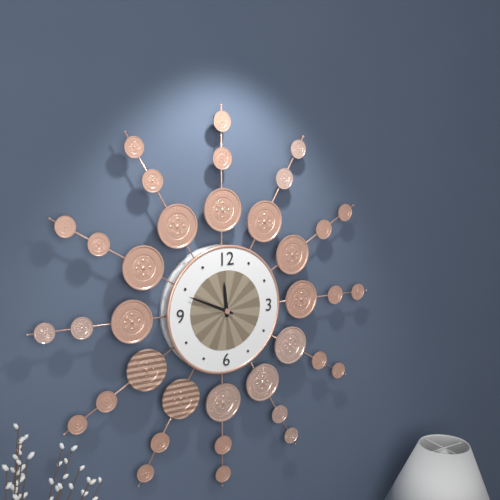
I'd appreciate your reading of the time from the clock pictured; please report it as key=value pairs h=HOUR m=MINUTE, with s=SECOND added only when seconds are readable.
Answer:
h=11 m=49
